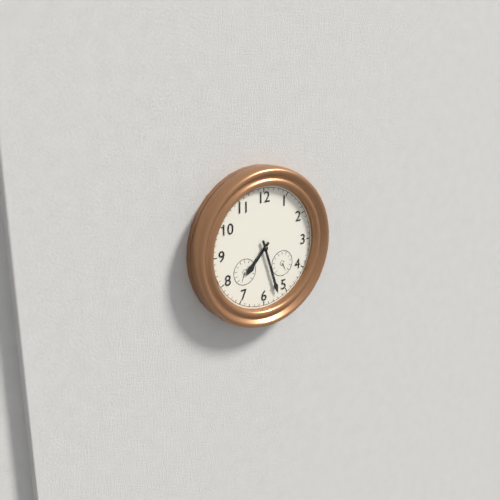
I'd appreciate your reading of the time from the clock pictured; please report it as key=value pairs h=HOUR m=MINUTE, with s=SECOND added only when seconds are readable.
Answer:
h=7 m=27
